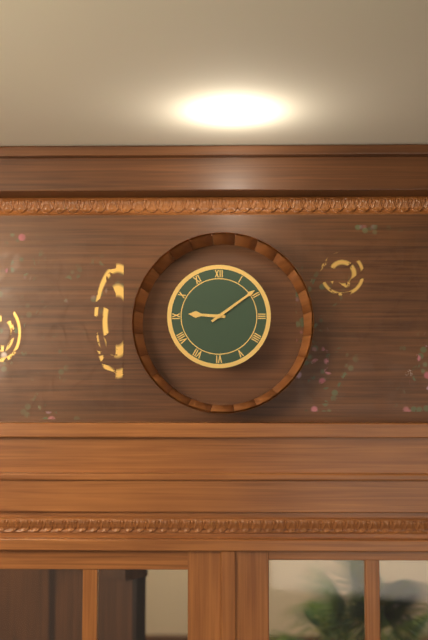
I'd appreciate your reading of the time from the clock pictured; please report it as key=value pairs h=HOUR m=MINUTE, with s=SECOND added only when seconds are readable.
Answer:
h=9 m=9
